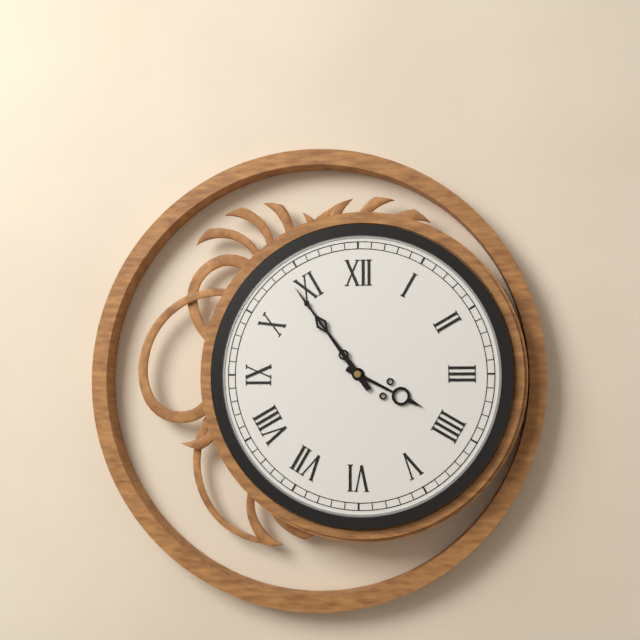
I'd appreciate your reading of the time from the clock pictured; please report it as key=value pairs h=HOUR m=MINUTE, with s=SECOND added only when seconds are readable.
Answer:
h=3 m=54
